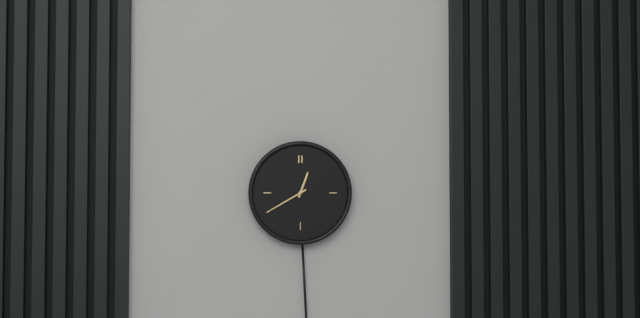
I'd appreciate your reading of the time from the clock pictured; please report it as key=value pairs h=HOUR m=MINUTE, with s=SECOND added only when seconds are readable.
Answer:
h=12 m=40
